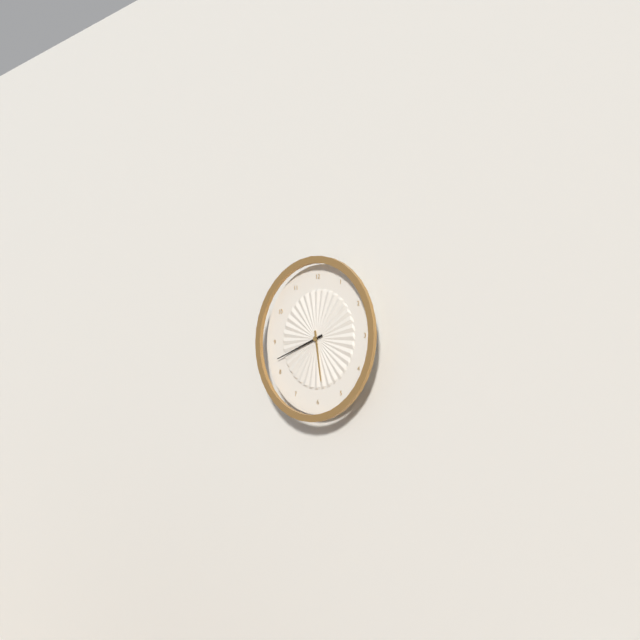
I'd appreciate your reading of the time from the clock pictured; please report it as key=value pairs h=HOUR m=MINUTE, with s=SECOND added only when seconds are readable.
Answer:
h=5 m=42
